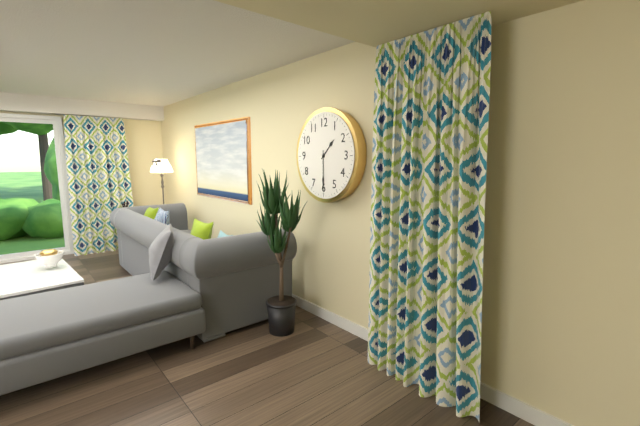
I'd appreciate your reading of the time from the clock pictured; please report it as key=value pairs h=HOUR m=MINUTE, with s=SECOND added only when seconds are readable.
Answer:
h=1 m=30
